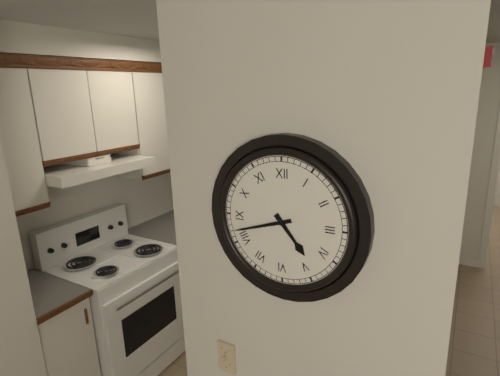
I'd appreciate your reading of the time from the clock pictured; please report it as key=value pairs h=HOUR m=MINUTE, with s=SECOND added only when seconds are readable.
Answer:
h=4 m=42
